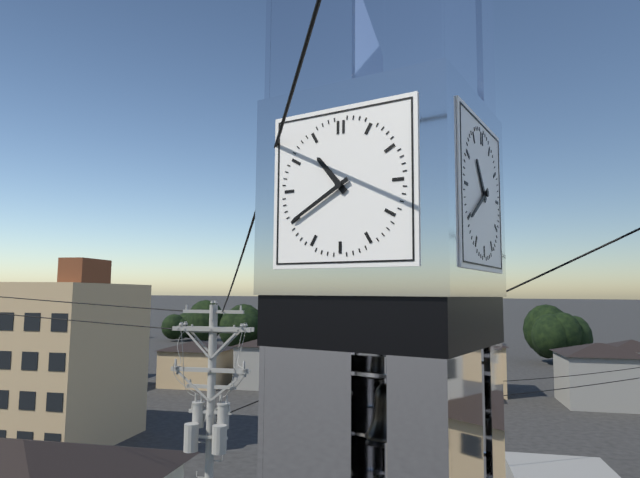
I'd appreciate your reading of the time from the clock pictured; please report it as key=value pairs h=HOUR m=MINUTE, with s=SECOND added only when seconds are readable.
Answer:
h=10 m=40
